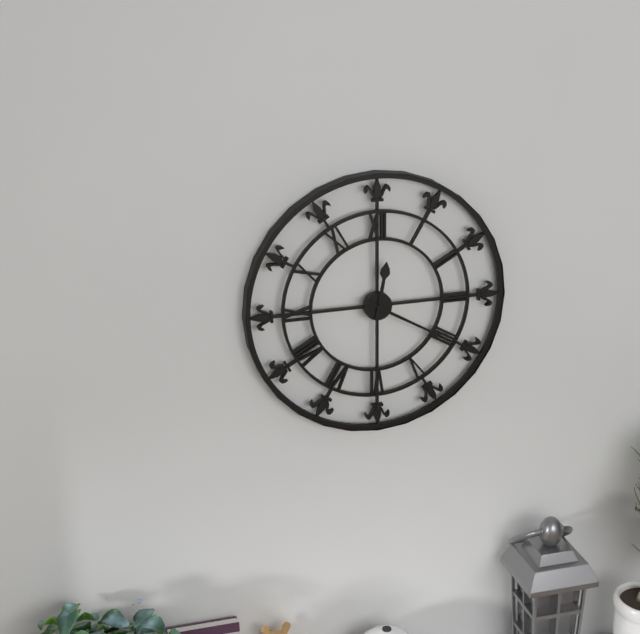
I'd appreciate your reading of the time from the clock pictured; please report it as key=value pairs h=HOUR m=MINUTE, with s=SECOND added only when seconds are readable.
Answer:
h=12 m=20
